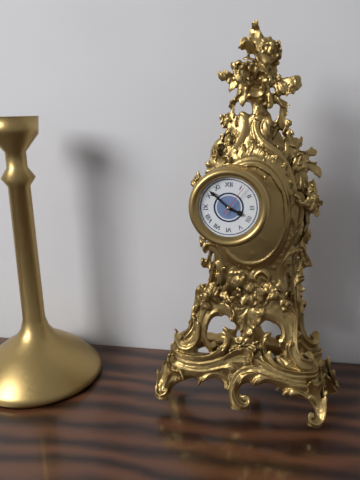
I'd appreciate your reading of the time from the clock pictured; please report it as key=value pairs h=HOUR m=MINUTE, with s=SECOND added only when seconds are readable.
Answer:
h=3 m=52
